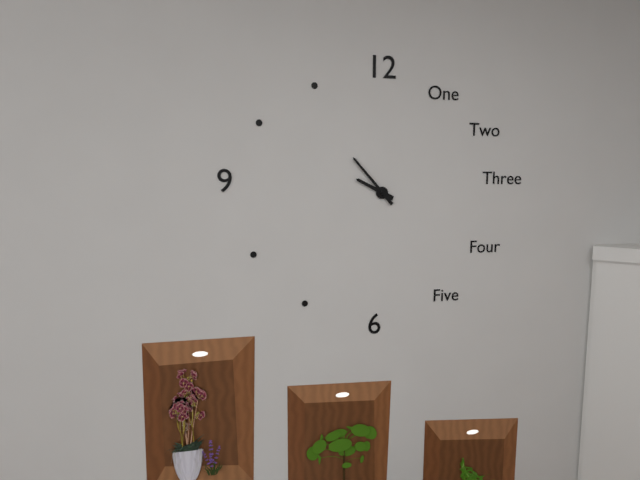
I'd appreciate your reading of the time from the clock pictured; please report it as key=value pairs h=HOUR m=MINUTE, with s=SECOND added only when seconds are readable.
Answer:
h=9 m=53
